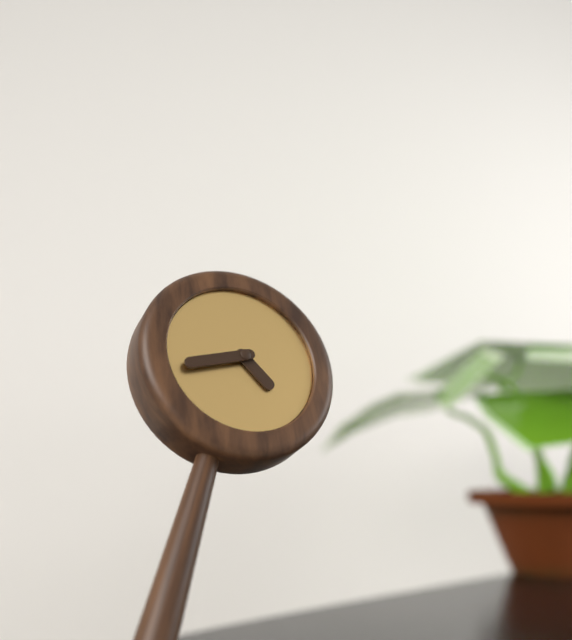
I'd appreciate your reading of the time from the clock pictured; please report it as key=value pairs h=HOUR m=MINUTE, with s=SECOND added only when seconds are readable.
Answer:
h=4 m=43
